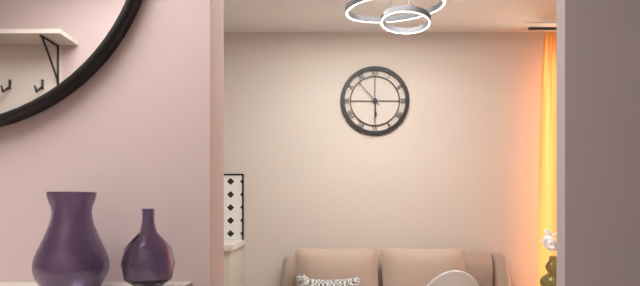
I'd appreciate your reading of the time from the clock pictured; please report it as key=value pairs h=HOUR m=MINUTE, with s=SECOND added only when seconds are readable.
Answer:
h=5 m=53
